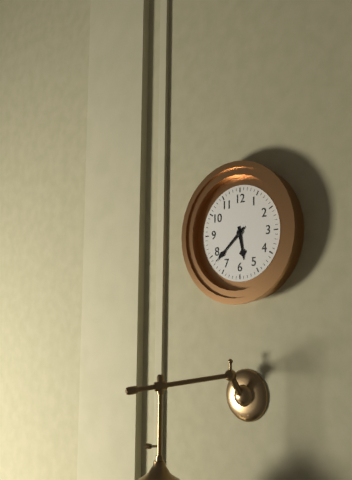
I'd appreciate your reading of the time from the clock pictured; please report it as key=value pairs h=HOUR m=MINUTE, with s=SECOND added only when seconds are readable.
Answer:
h=5 m=38
